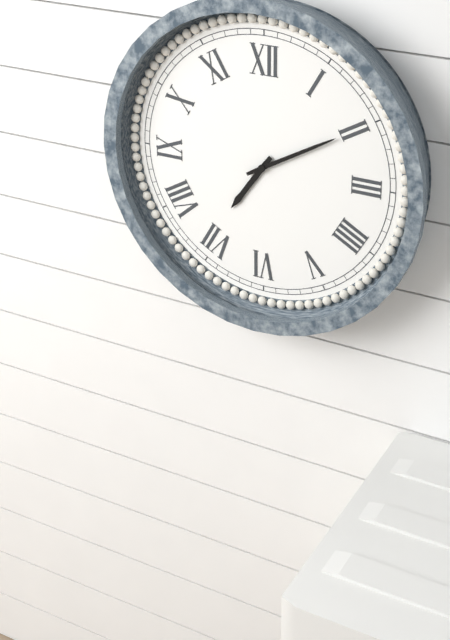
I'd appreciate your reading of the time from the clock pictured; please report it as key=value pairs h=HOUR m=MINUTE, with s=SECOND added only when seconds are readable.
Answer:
h=7 m=10
